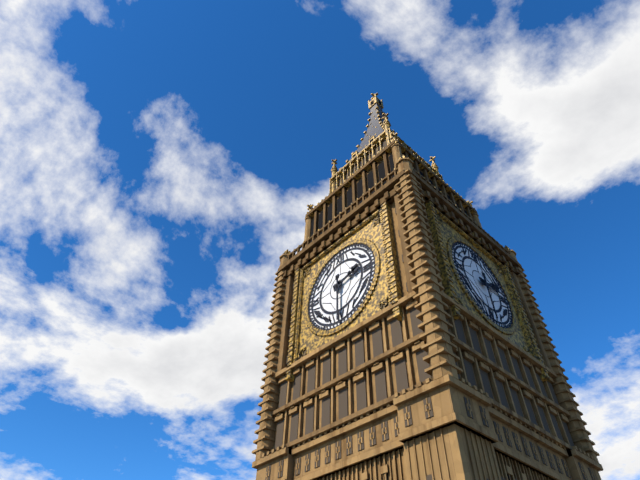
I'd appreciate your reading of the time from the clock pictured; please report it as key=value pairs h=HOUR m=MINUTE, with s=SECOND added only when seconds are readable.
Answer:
h=2 m=30
